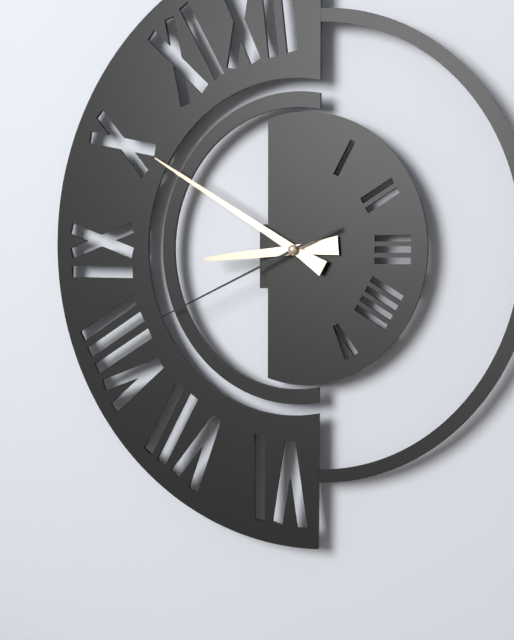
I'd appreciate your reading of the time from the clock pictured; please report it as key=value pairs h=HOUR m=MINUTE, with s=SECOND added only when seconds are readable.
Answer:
h=8 m=50 s=41
